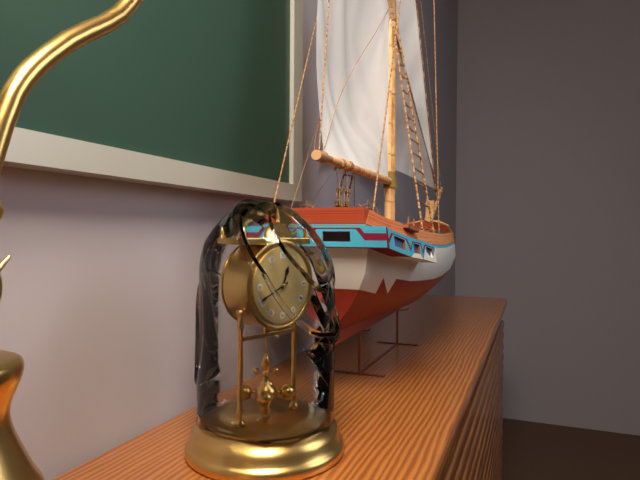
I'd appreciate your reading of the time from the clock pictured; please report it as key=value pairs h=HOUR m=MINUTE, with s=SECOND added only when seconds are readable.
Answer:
h=12 m=41
